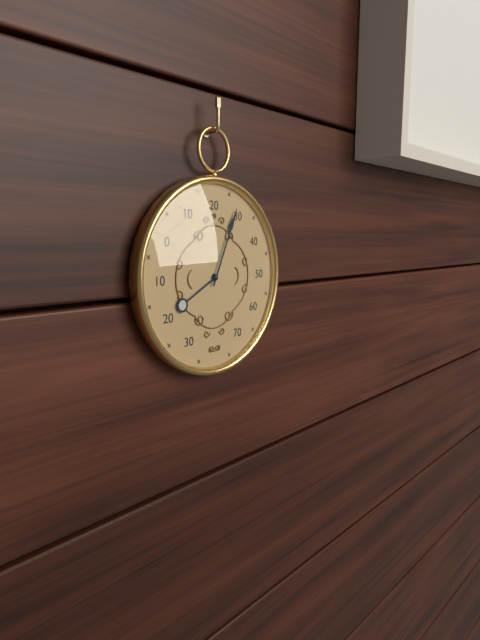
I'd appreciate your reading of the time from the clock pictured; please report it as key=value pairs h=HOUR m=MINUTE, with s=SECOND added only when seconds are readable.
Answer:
h=8 m=4
